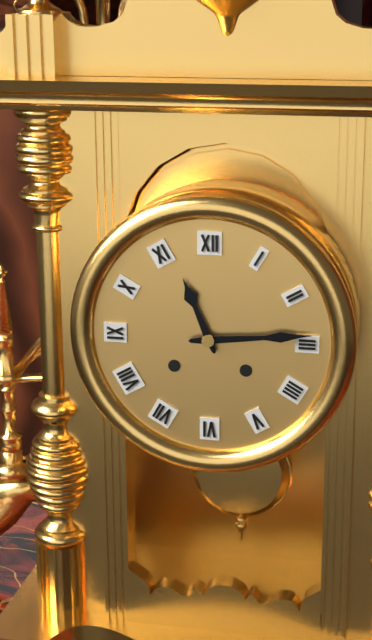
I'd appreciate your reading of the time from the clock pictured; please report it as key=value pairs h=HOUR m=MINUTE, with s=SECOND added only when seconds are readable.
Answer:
h=11 m=14
